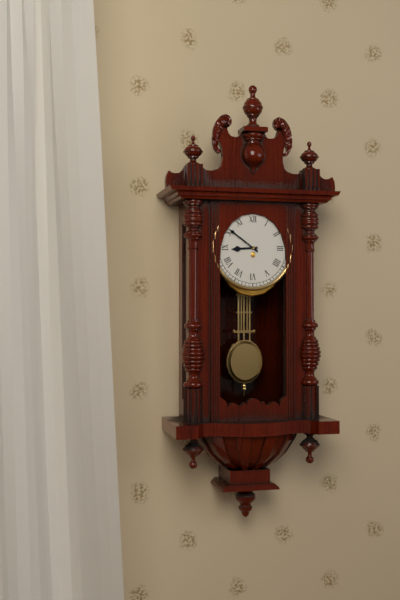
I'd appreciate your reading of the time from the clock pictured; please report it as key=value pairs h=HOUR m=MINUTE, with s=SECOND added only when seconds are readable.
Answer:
h=8 m=51
